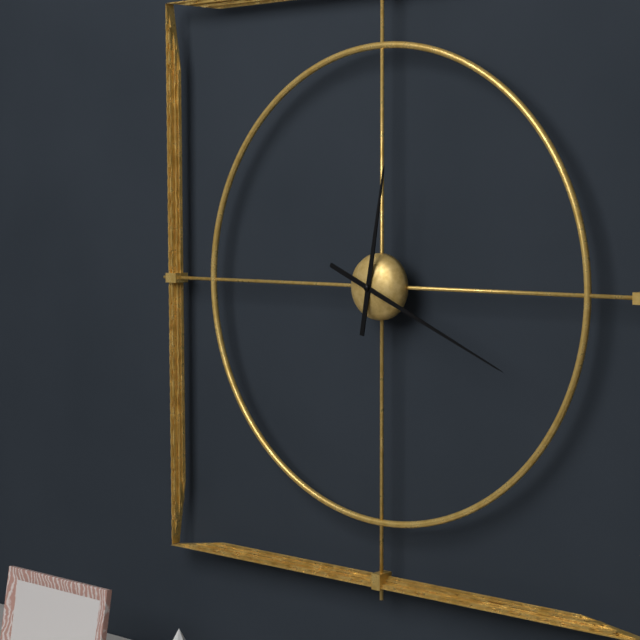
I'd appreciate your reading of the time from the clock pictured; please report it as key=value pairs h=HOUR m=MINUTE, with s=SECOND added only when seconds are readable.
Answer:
h=12 m=19
